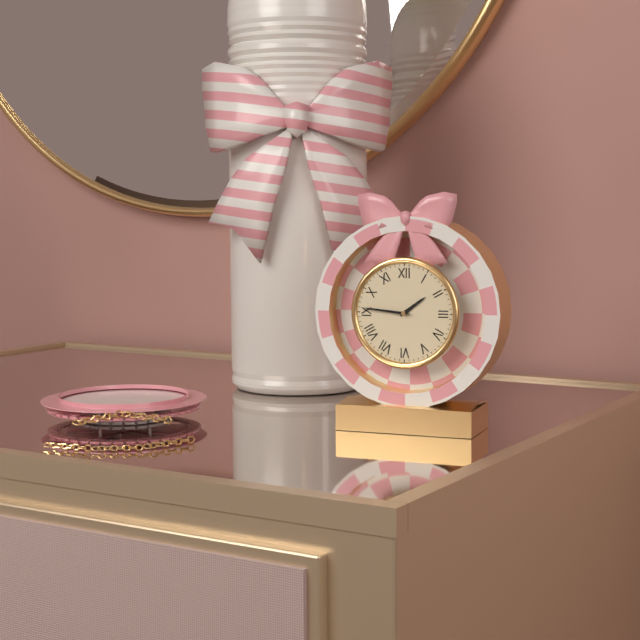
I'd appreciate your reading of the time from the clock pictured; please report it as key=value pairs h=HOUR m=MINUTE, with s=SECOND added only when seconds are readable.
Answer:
h=1 m=46
